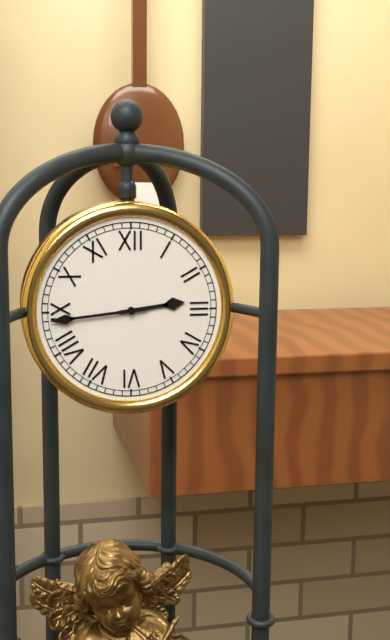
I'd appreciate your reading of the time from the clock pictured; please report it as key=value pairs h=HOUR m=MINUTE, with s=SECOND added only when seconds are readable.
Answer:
h=2 m=44
